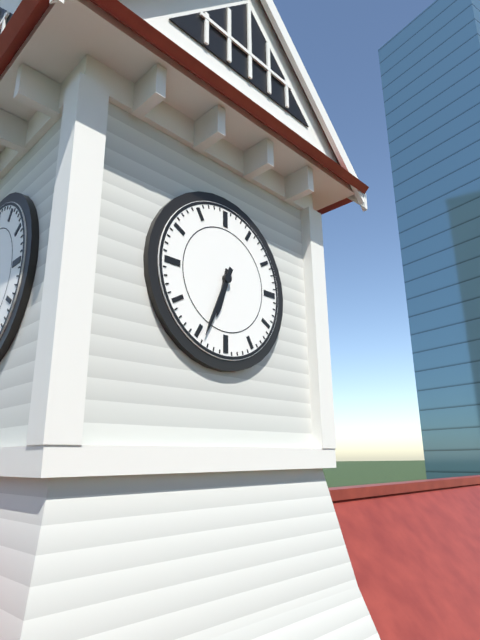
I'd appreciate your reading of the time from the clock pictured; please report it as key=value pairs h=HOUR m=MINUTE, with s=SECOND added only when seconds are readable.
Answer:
h=6 m=34
